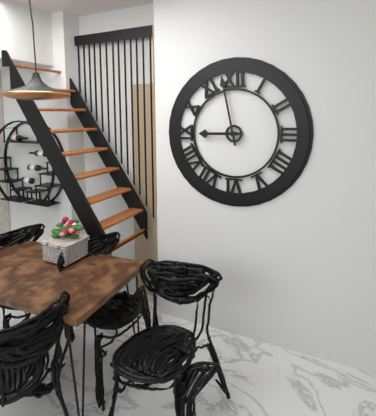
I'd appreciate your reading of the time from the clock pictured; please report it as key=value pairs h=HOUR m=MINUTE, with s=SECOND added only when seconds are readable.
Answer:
h=8 m=58
